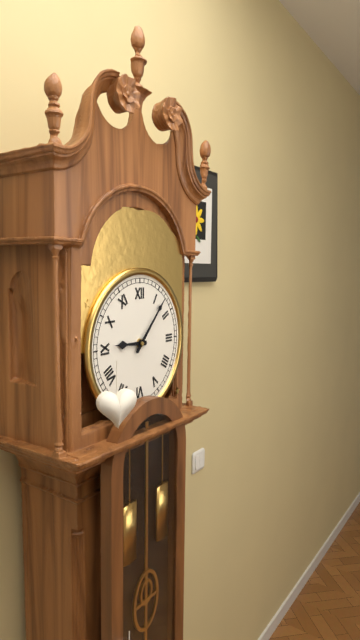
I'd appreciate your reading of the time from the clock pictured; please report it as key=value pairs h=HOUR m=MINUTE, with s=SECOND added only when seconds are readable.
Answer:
h=9 m=7
